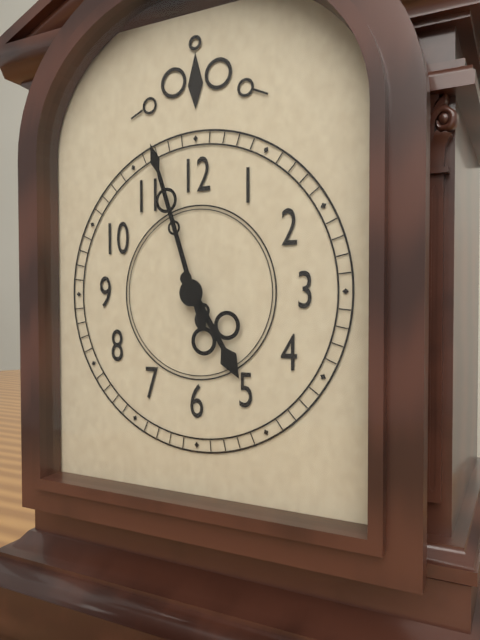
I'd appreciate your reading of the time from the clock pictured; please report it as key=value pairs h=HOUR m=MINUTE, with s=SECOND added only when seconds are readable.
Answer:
h=4 m=57
